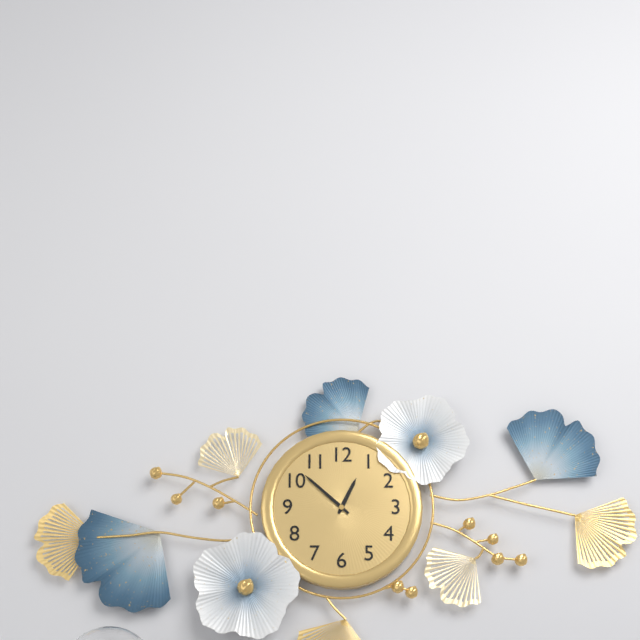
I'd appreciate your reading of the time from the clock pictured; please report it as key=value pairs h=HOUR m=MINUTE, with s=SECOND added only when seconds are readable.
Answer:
h=12 m=52
